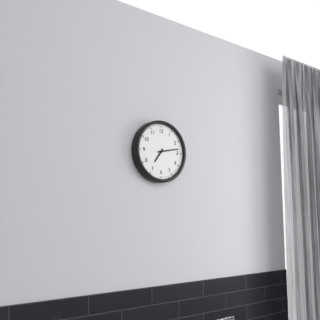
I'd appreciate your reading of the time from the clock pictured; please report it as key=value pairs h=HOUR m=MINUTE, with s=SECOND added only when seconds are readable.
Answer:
h=7 m=13
